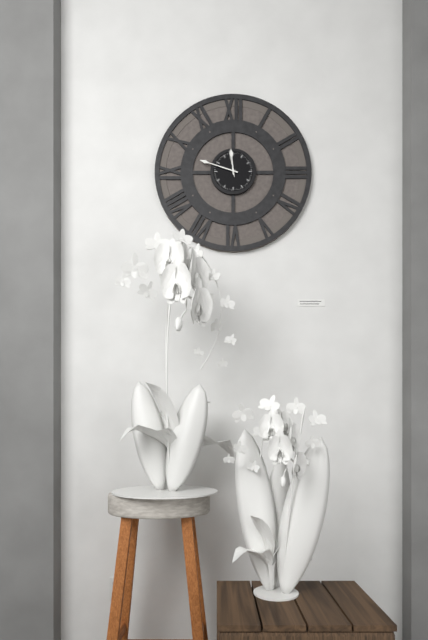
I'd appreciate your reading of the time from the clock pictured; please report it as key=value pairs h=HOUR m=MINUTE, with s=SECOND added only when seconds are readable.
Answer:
h=11 m=48
